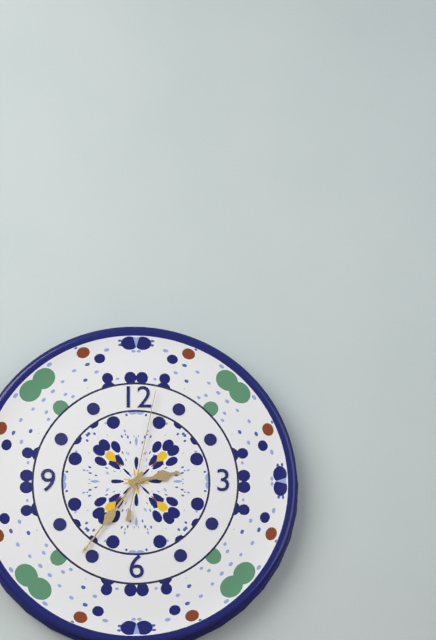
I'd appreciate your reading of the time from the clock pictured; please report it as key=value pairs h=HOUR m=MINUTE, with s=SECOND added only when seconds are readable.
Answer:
h=2 m=36 s=2
